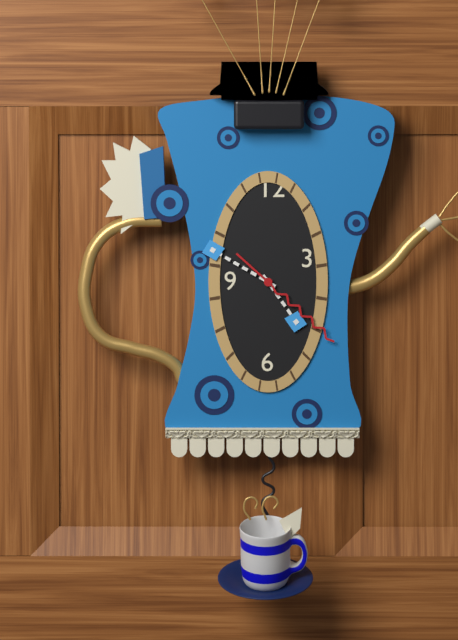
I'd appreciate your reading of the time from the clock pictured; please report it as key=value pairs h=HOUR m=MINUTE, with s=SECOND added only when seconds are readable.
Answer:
h=4 m=50 s=22
